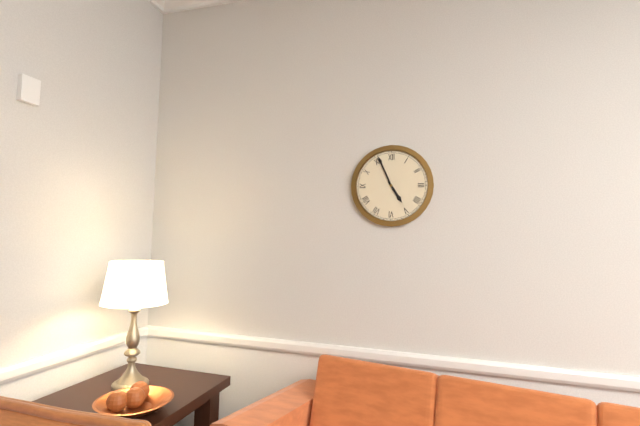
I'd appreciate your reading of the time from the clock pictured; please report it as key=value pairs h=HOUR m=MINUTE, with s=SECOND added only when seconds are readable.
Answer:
h=4 m=56
